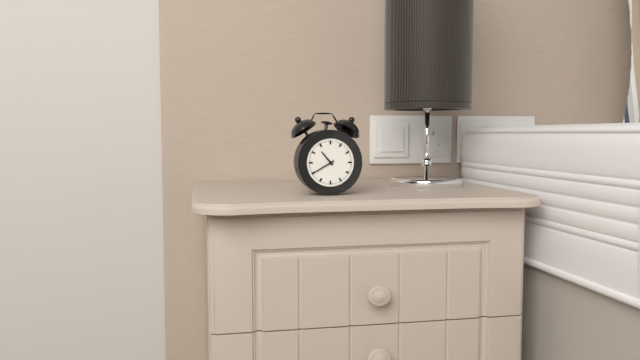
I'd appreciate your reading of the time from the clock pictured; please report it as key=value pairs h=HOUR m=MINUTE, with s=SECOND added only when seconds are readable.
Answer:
h=10 m=40
